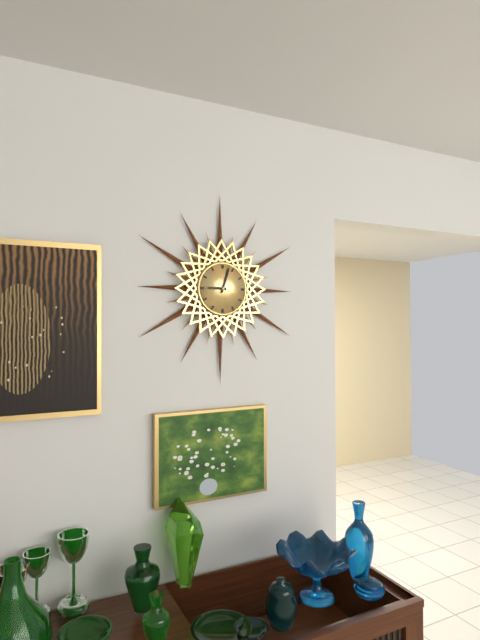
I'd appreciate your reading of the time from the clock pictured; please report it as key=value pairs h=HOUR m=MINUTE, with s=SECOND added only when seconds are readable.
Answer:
h=9 m=3
